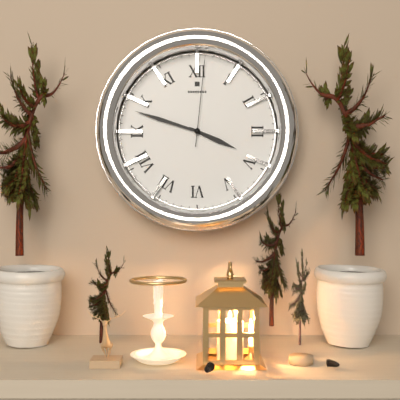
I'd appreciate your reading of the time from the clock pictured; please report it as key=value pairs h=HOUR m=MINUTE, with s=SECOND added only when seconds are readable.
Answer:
h=3 m=48 s=1
